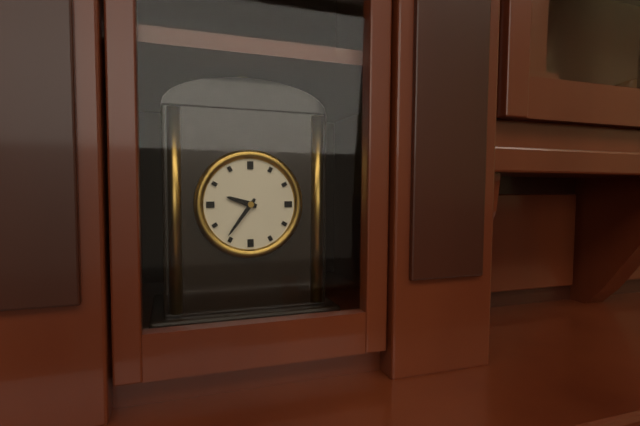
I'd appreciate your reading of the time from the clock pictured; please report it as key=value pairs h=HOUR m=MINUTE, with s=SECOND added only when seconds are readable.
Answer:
h=9 m=36
